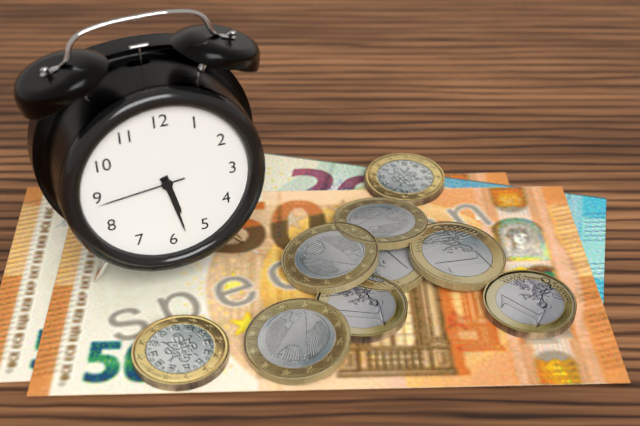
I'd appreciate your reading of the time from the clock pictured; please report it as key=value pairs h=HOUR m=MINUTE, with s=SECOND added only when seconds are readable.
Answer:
h=5 m=28 s=44
